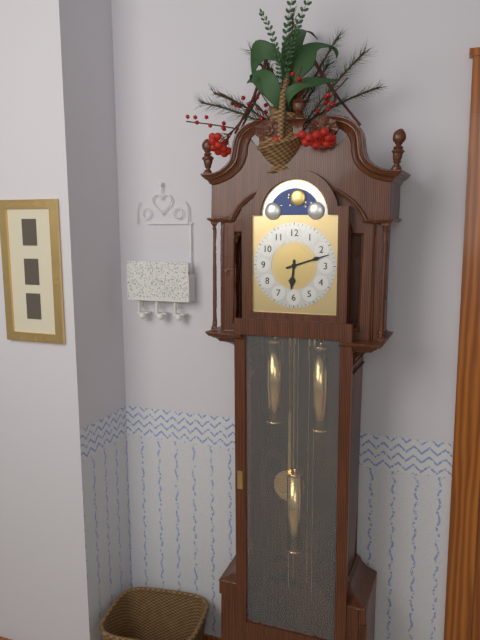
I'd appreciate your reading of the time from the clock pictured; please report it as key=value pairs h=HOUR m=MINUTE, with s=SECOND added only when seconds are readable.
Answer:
h=6 m=12
